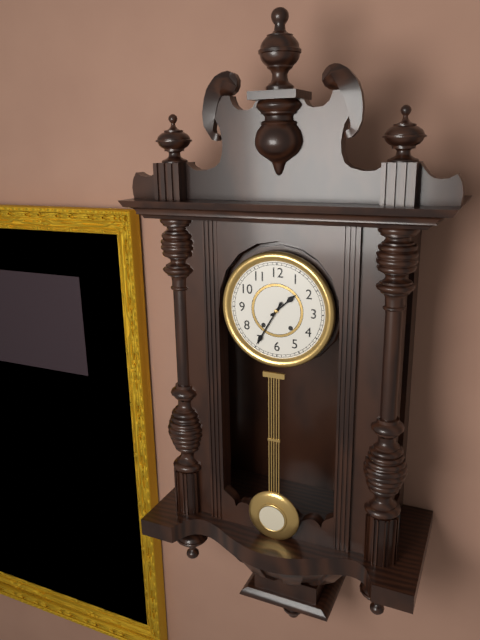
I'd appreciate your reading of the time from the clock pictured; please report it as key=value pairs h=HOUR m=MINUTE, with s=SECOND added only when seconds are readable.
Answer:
h=1 m=35
